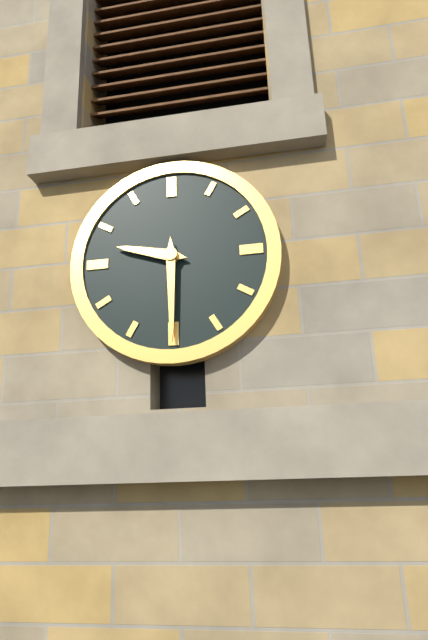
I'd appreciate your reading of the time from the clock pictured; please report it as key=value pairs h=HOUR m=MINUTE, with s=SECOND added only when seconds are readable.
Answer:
h=9 m=30
